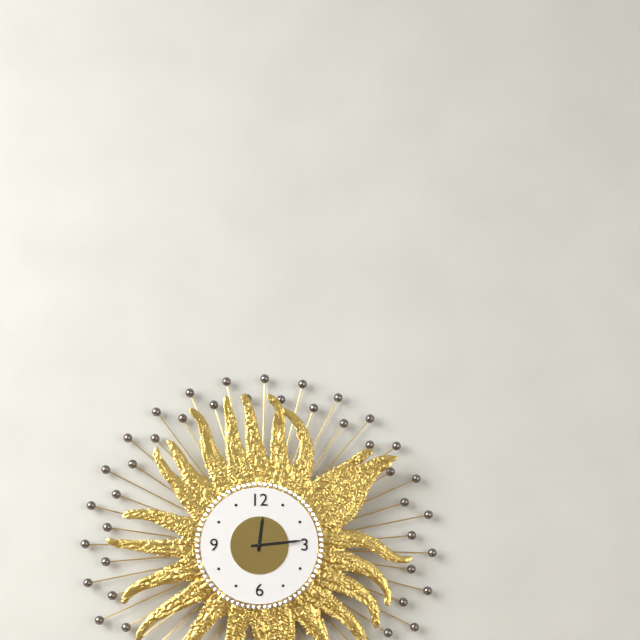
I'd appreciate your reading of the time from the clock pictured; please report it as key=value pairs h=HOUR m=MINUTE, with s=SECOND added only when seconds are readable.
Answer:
h=12 m=14
